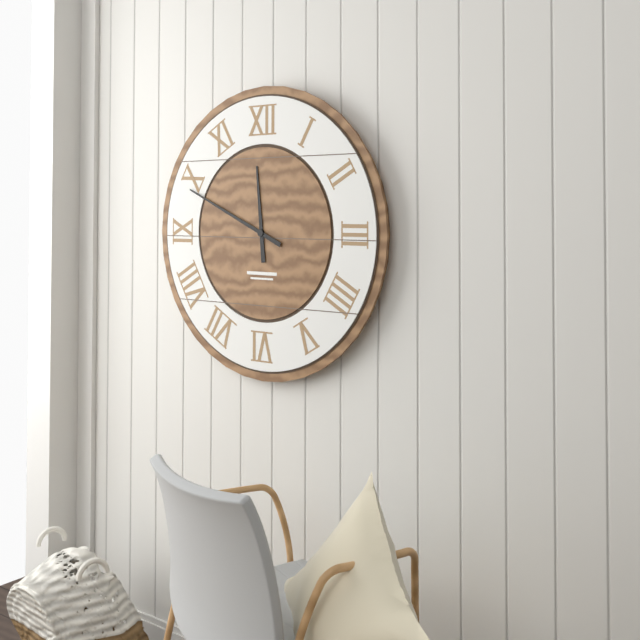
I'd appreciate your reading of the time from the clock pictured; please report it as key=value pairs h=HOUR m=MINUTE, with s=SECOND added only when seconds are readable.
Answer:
h=11 m=49
